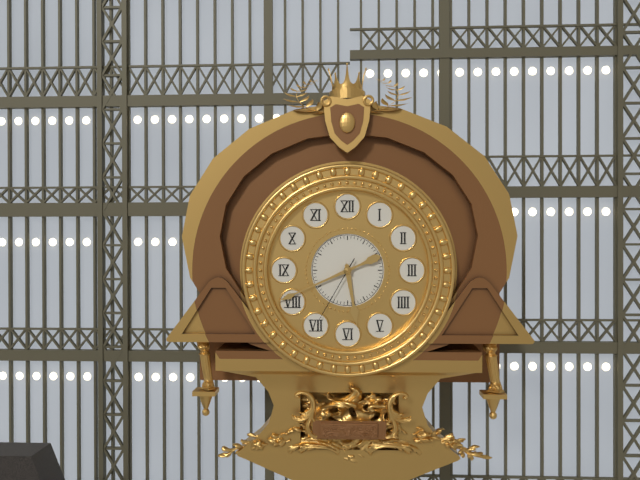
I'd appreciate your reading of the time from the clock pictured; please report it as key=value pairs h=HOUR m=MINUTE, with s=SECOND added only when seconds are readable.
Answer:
h=5 m=41 s=35
